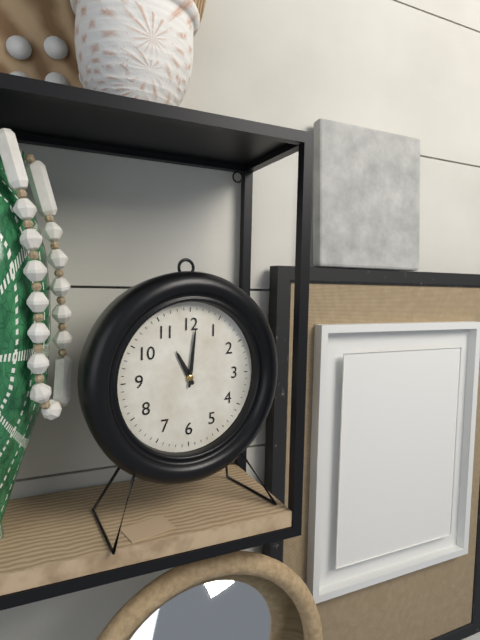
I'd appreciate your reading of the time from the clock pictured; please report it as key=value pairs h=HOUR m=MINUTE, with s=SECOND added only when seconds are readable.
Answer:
h=11 m=1
